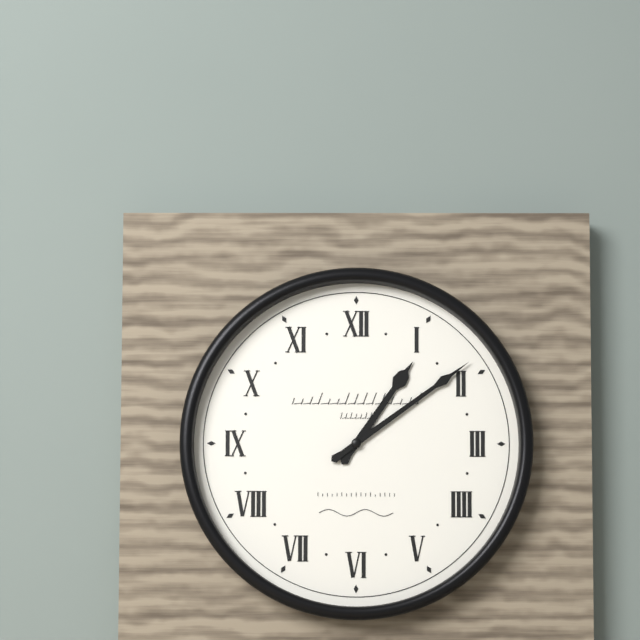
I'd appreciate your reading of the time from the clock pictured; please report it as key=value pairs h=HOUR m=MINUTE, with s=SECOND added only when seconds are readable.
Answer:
h=1 m=9
